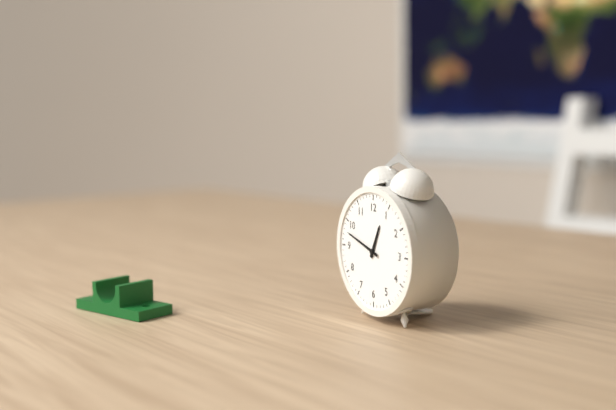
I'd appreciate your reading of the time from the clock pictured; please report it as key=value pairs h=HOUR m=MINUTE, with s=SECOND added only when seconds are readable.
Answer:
h=12 m=48
